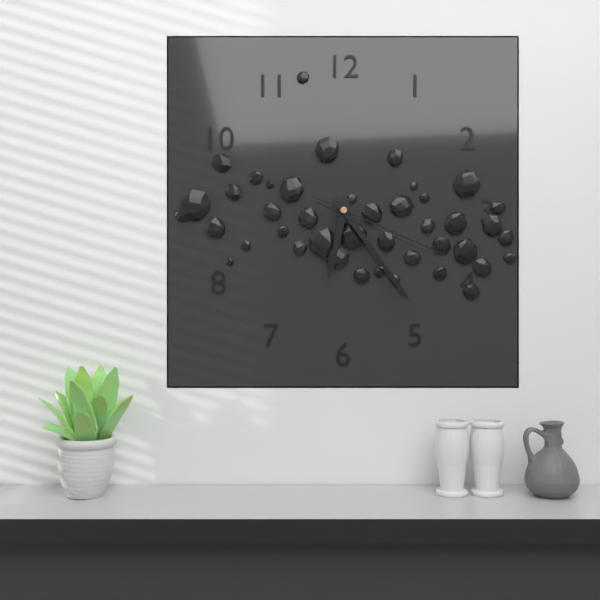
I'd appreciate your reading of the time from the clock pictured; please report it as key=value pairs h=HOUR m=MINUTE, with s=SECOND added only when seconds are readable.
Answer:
h=6 m=24 s=19
